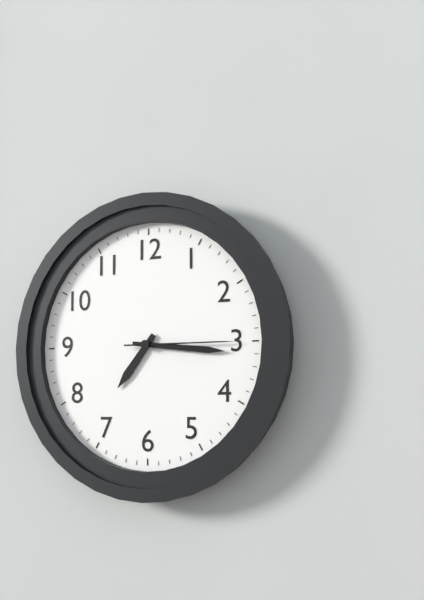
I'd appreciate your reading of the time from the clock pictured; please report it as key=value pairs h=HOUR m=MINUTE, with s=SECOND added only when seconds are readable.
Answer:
h=7 m=16 s=15
